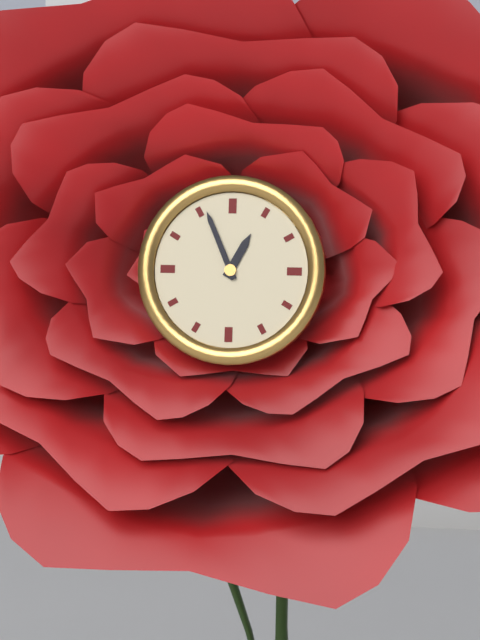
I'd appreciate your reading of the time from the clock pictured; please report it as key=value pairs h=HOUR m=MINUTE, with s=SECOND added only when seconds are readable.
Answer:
h=12 m=56
